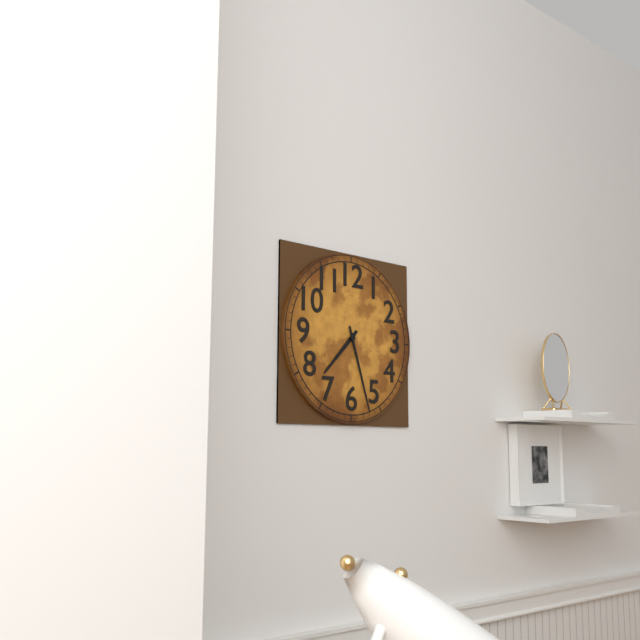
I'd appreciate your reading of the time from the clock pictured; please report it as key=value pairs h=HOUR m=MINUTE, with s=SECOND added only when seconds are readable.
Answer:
h=7 m=27
